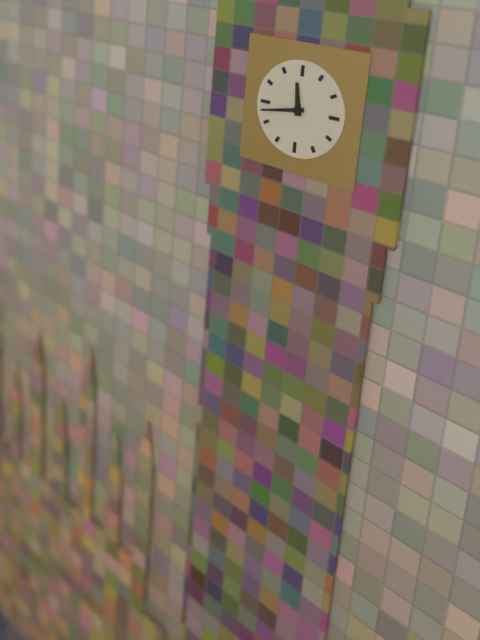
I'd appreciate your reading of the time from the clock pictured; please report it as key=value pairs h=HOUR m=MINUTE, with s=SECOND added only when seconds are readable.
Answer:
h=11 m=43
